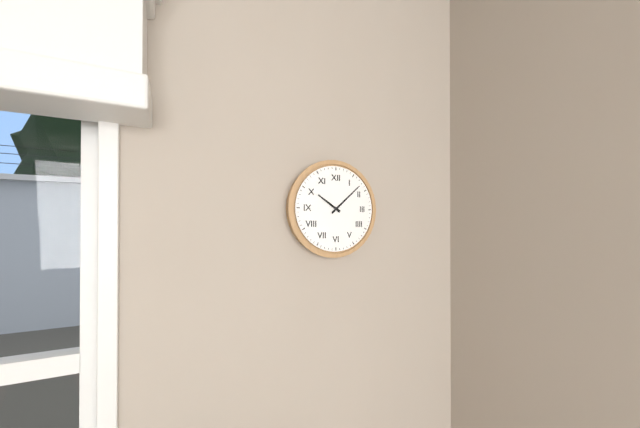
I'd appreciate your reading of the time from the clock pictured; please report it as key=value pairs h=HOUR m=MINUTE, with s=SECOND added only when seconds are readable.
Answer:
h=10 m=8
